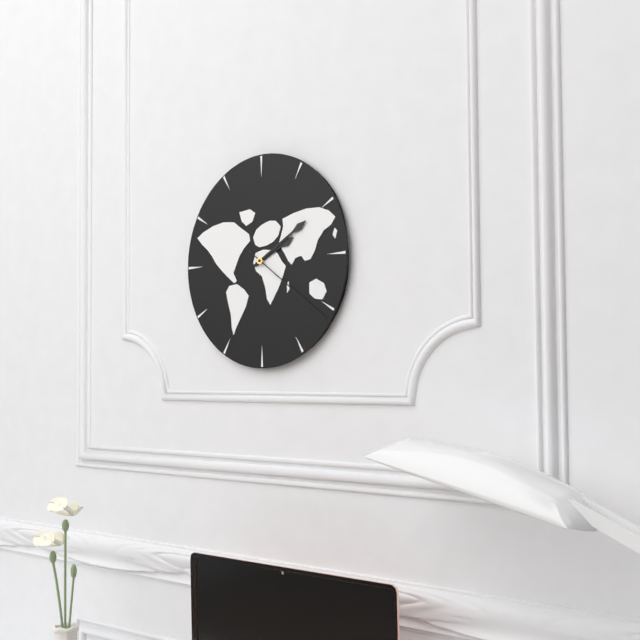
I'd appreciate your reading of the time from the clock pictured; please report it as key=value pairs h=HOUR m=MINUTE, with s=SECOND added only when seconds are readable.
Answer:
h=2 m=10 s=21
